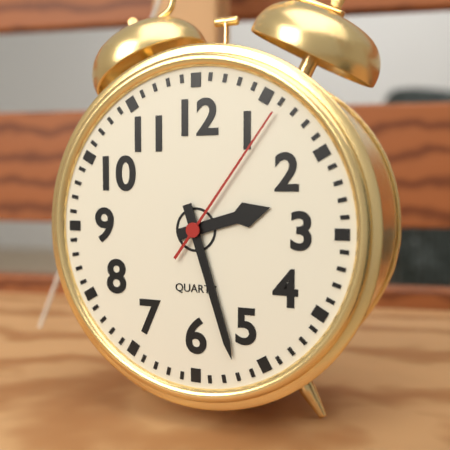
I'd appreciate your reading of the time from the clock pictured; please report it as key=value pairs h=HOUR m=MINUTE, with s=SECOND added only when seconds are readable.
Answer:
h=2 m=27 s=6
